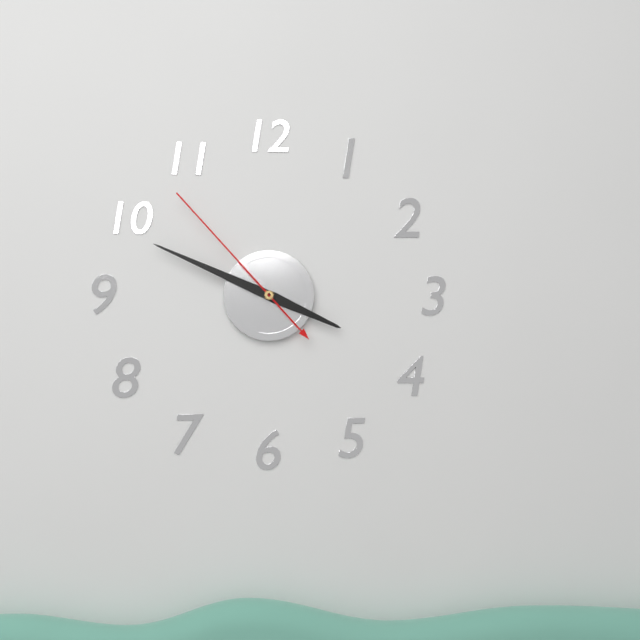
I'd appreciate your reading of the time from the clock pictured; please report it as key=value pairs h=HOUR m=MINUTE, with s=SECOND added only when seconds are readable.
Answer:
h=3 m=49 s=53
